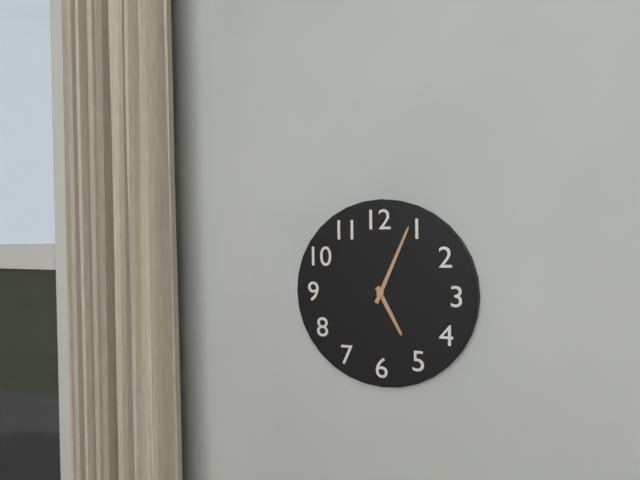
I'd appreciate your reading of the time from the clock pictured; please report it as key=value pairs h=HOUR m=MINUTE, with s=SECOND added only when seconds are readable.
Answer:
h=5 m=4
